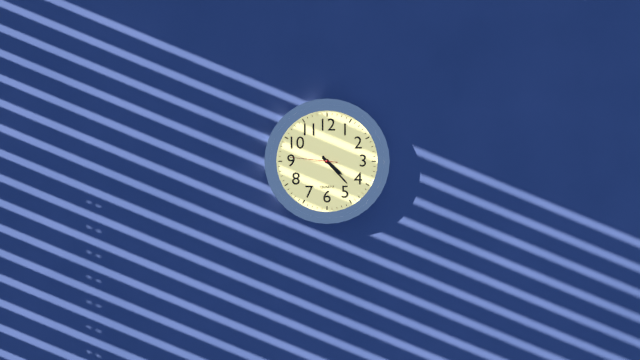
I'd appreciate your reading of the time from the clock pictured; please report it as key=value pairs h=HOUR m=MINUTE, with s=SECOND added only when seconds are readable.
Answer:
h=4 m=23
